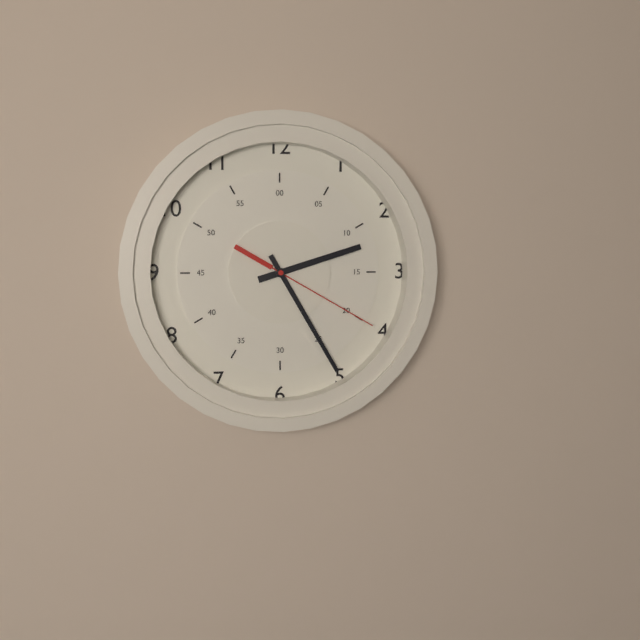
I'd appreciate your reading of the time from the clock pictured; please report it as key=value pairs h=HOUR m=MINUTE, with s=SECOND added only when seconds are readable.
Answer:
h=2 m=25 s=20
